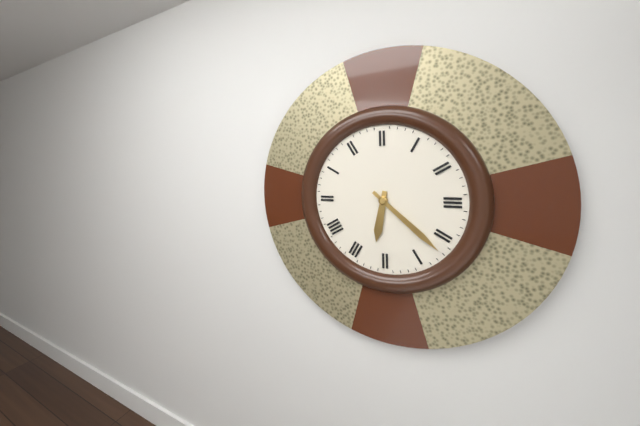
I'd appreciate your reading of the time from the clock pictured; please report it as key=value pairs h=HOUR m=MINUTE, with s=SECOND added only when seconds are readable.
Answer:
h=6 m=22
